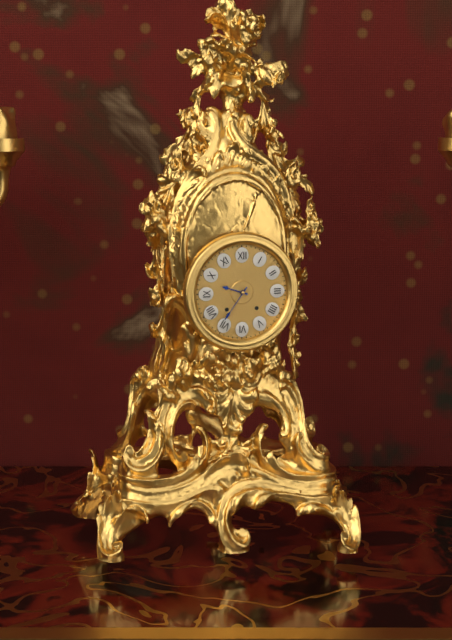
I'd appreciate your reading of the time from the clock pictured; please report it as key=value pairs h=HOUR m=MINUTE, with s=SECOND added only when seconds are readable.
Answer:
h=9 m=36
